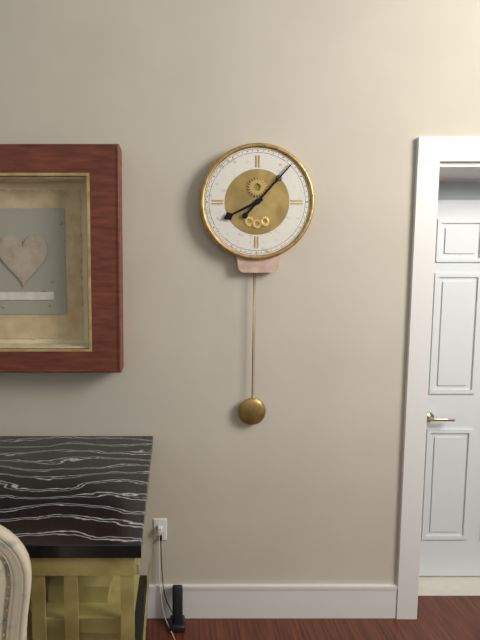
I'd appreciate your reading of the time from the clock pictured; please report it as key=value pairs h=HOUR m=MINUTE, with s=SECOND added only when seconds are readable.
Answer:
h=8 m=7
